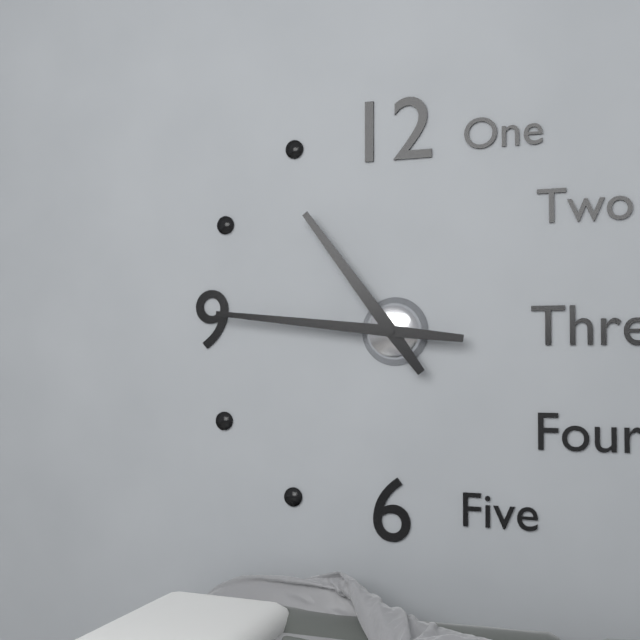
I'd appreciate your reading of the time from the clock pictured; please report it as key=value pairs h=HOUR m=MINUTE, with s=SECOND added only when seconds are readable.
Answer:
h=10 m=46
